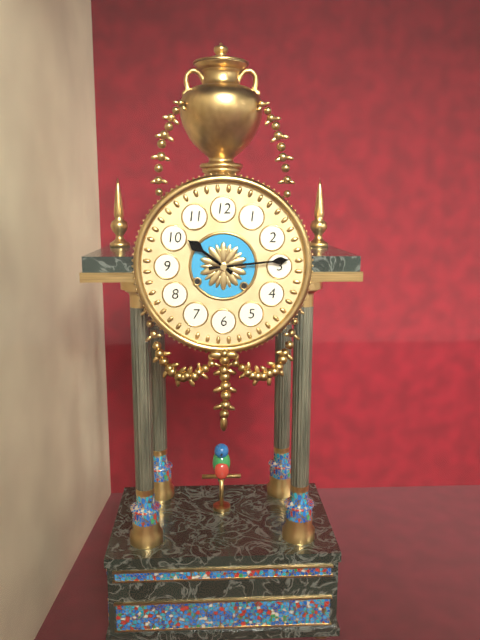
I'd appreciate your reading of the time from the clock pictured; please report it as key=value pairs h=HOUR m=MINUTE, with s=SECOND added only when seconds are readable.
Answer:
h=10 m=14
